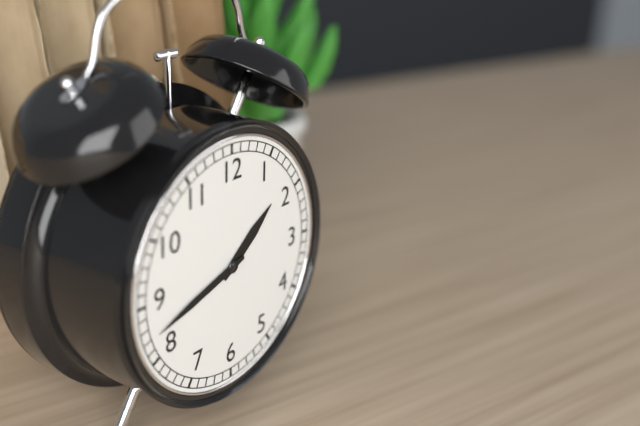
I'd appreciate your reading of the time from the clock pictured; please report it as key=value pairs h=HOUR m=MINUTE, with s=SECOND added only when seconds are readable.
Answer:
h=1 m=42
